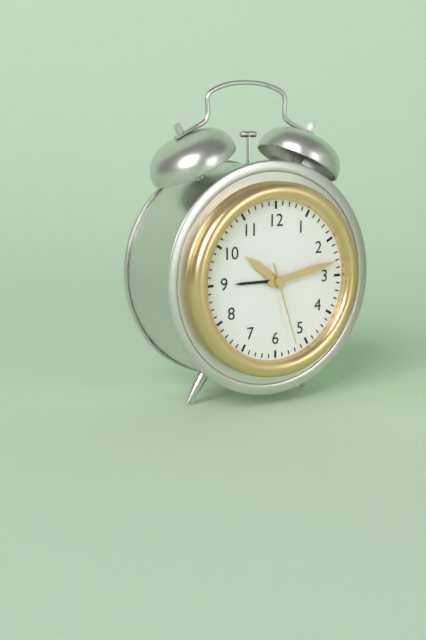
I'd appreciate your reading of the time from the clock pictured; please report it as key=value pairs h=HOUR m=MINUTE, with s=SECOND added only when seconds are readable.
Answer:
h=10 m=13 s=27
